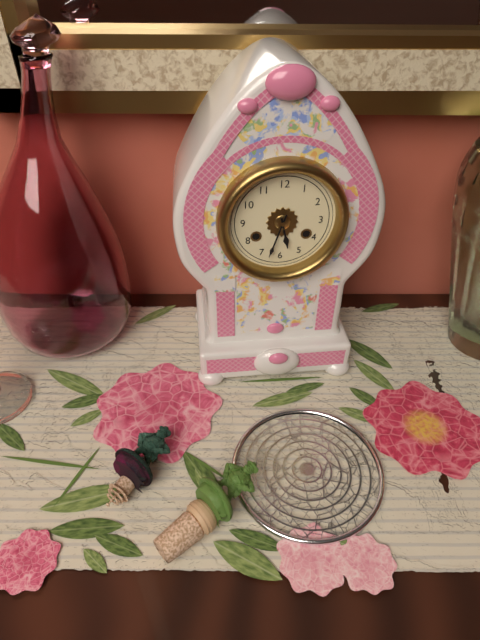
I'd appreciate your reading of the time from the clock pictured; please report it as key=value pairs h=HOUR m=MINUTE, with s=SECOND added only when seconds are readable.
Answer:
h=5 m=33
